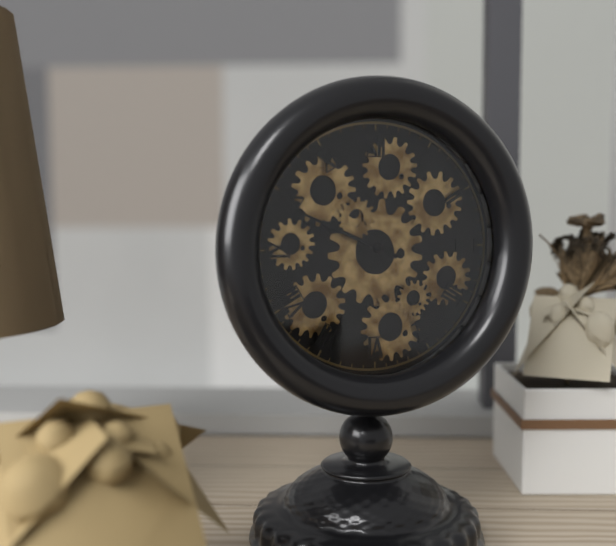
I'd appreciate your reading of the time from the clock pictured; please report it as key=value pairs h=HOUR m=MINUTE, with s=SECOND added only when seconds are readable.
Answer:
h=9 m=49
